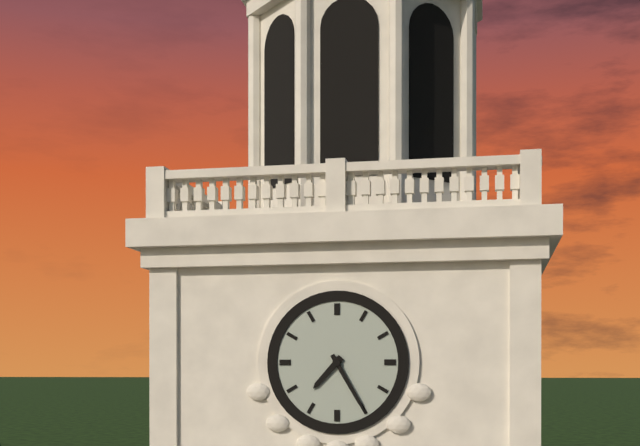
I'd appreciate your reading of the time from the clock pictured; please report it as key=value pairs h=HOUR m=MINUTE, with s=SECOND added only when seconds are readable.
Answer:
h=7 m=25
